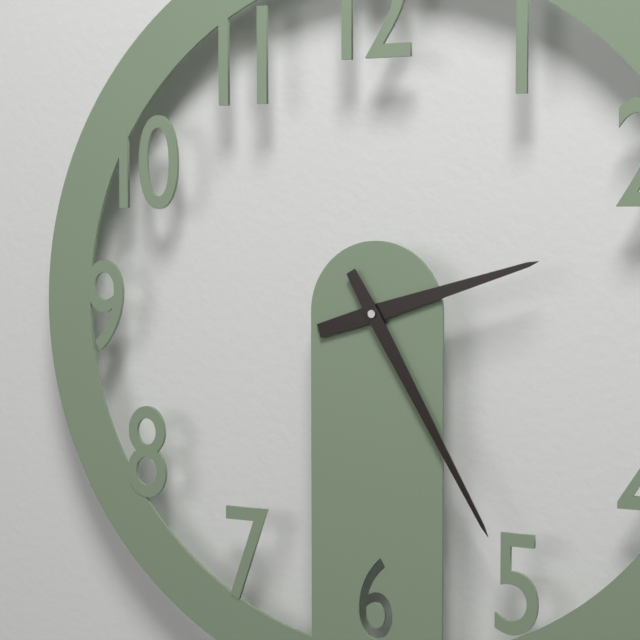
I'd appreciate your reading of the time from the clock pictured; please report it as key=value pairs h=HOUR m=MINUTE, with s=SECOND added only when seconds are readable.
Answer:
h=2 m=25
